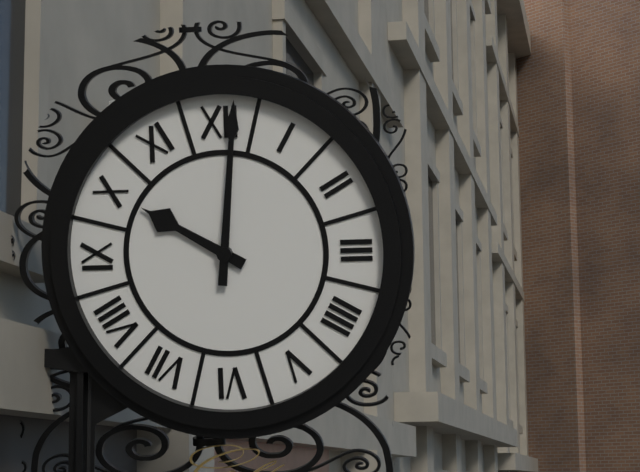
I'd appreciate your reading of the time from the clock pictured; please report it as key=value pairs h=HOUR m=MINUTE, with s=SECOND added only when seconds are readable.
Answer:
h=10 m=1
